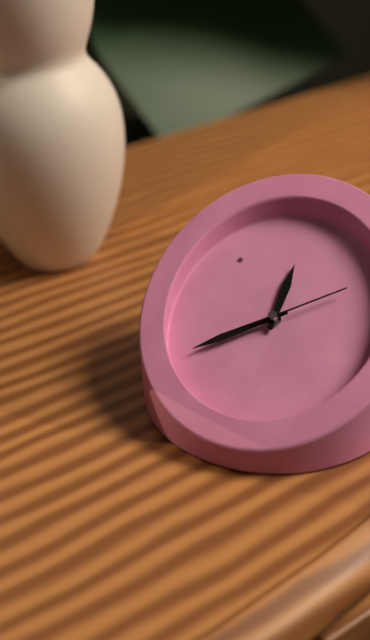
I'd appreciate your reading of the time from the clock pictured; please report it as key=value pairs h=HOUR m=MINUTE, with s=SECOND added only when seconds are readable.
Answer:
h=2 m=53 s=23
